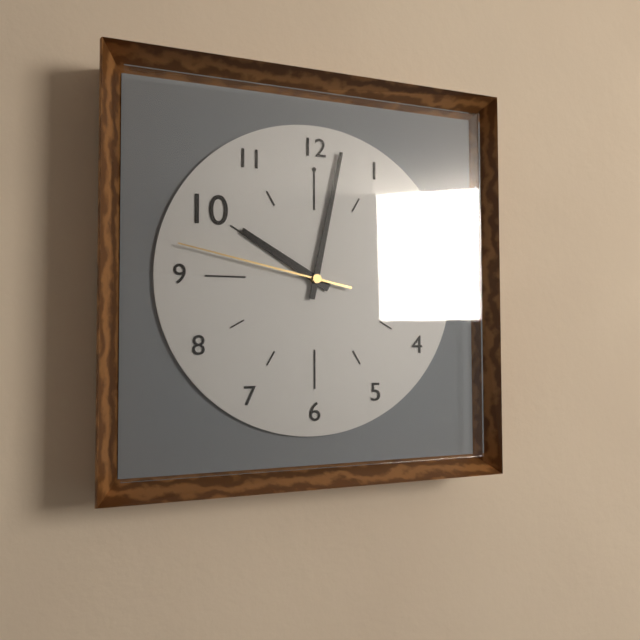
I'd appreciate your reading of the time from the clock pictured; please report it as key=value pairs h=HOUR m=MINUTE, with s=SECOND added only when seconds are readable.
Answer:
h=10 m=2 s=47
